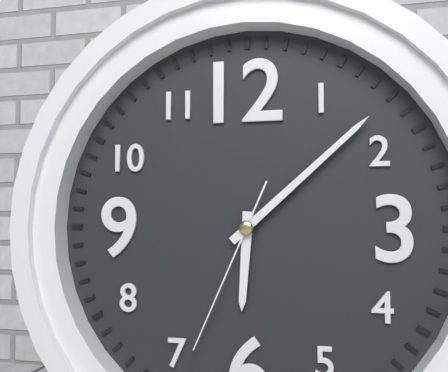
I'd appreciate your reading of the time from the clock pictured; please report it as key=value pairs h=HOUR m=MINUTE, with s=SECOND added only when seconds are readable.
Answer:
h=6 m=8 s=34
